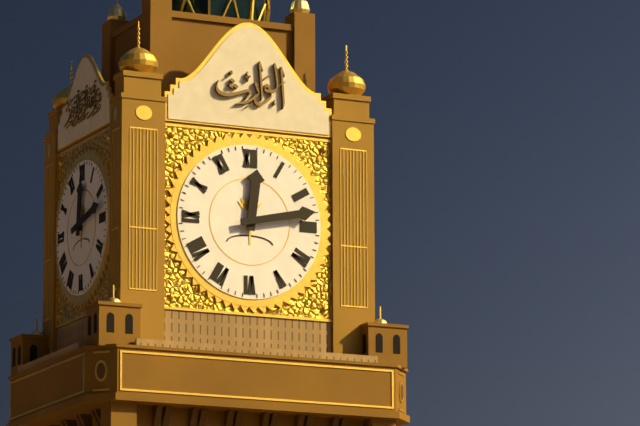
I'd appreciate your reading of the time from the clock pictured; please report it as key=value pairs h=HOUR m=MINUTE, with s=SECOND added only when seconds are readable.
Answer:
h=12 m=13
